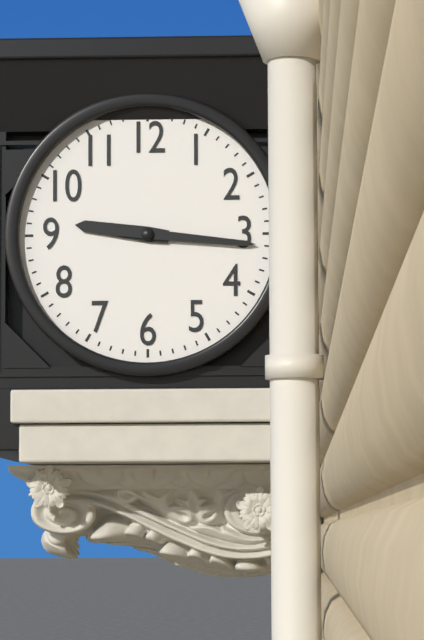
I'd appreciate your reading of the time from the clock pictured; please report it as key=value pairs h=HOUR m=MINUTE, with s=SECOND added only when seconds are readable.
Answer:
h=9 m=16
